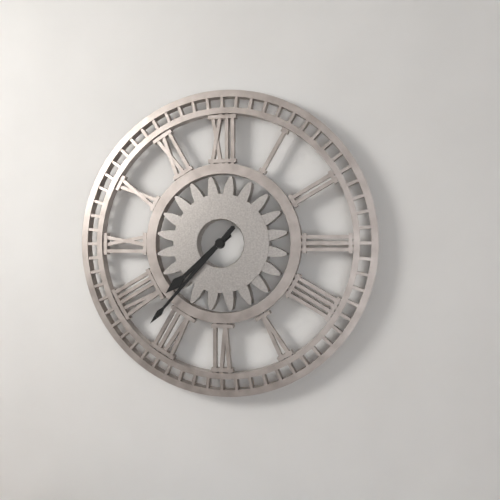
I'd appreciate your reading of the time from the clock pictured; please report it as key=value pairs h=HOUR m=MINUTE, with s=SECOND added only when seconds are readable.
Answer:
h=7 m=37
